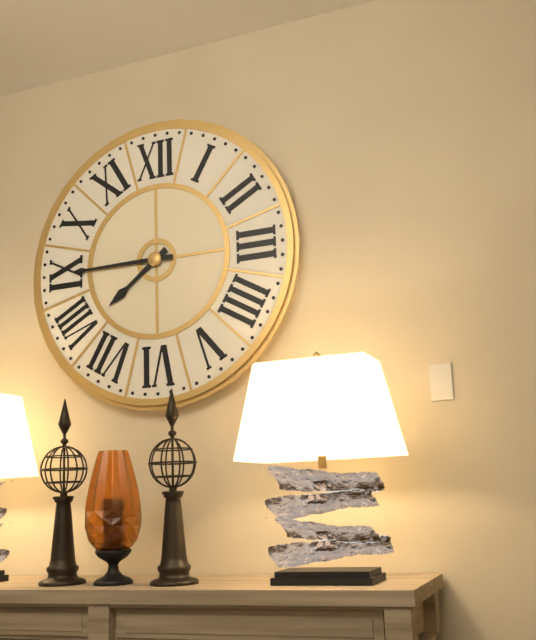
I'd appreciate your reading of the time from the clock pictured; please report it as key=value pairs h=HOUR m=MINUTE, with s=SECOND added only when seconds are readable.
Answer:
h=7 m=45
